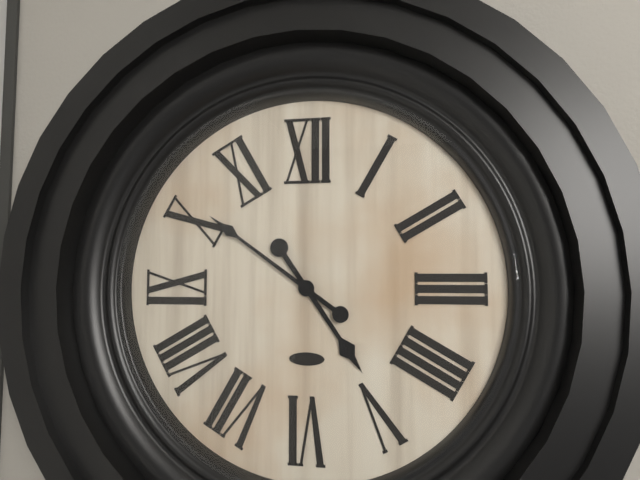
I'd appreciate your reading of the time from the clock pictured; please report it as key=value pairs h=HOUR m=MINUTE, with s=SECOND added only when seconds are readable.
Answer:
h=4 m=51
